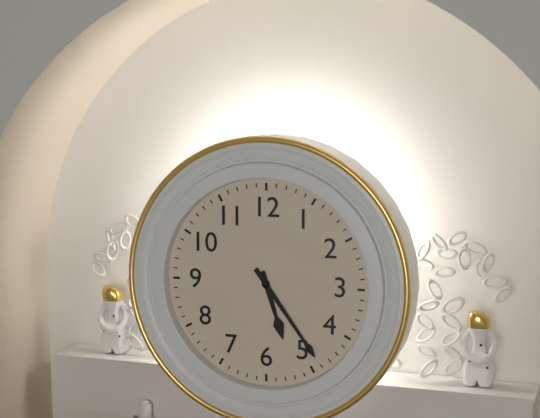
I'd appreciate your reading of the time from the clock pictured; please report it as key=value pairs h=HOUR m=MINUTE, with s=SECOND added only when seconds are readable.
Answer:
h=5 m=24
